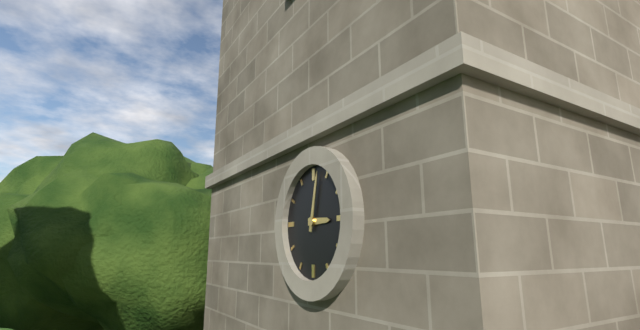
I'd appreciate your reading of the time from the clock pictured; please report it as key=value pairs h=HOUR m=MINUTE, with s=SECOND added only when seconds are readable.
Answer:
h=3 m=2
